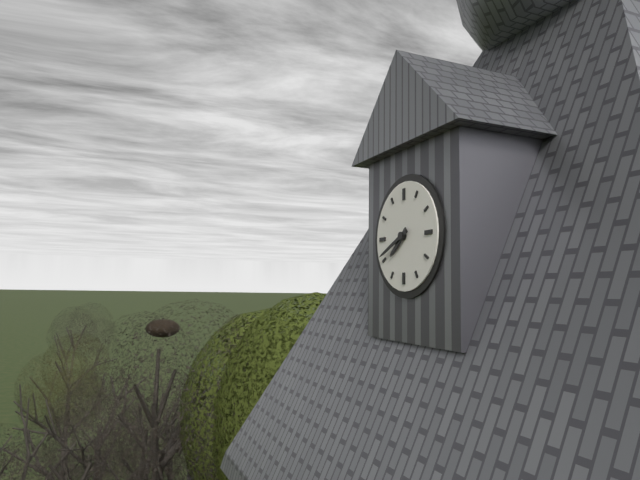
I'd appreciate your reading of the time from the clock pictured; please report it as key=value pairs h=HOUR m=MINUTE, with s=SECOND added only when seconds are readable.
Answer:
h=7 m=41
